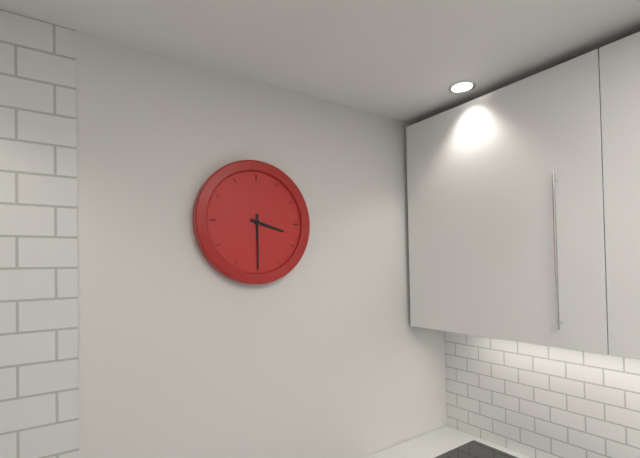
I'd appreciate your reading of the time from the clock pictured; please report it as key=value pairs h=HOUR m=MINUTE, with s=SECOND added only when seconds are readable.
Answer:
h=3 m=30
